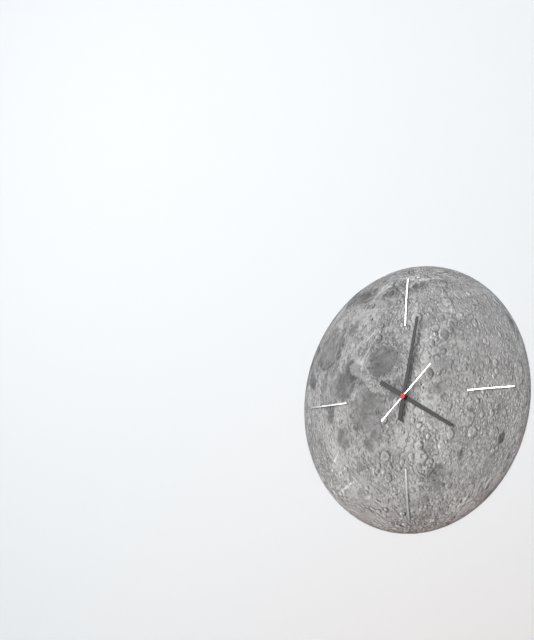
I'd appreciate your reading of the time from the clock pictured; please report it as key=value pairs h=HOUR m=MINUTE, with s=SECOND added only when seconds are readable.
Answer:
h=4 m=2 s=8
